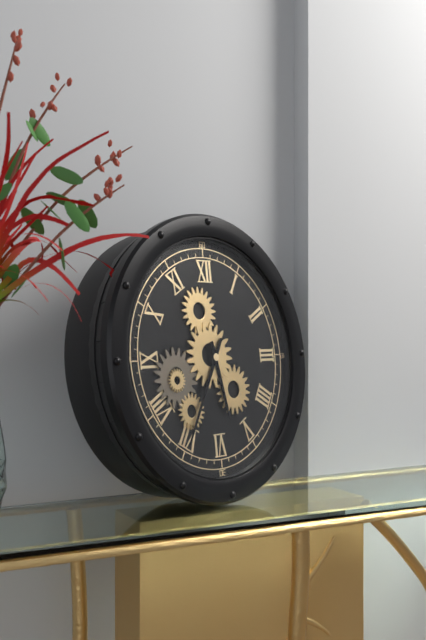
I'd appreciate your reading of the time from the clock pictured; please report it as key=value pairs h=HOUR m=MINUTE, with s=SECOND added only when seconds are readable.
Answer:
h=5 m=35
